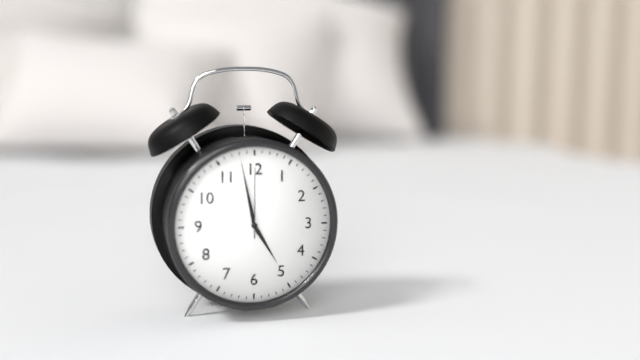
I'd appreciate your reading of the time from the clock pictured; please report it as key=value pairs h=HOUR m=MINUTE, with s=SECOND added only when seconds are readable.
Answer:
h=4 m=58 s=0
